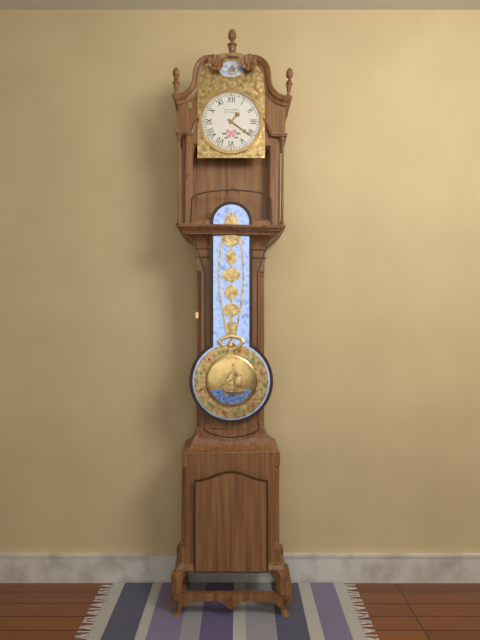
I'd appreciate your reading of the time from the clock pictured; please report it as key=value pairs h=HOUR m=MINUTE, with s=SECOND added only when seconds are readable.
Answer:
h=1 m=21
